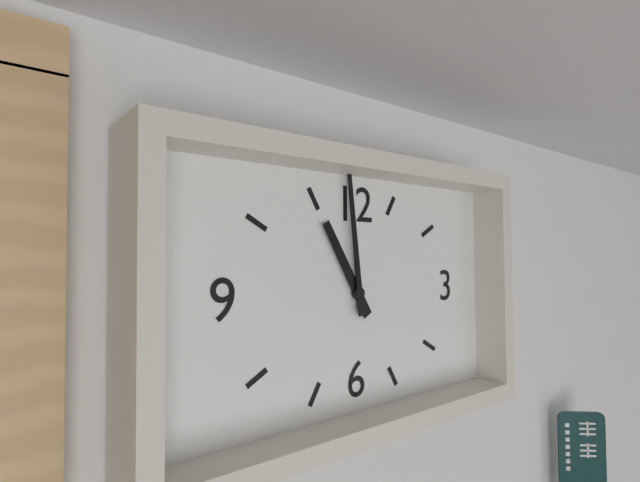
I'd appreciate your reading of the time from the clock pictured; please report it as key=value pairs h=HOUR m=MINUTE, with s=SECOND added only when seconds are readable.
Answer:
h=10 m=59
